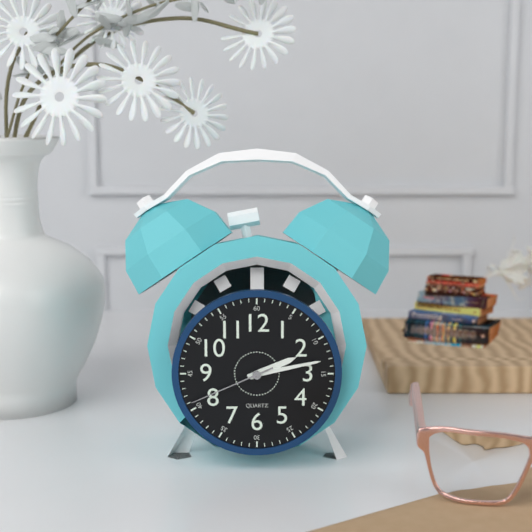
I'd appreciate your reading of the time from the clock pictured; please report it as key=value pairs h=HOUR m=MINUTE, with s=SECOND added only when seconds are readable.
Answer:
h=2 m=13 s=41
